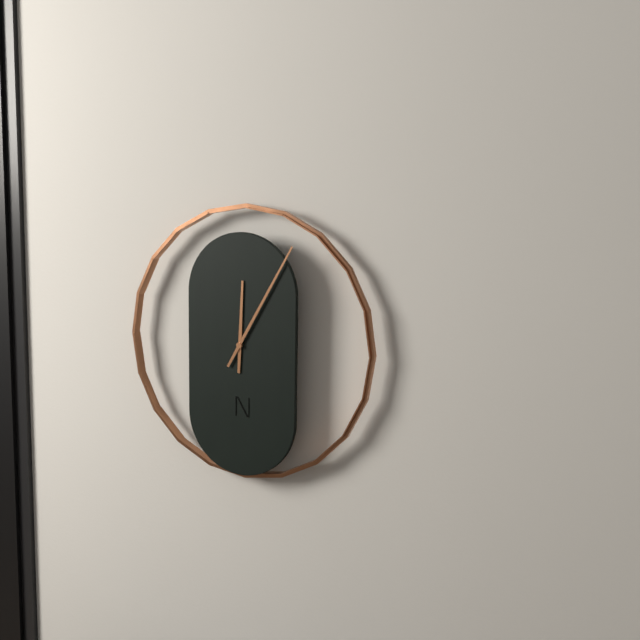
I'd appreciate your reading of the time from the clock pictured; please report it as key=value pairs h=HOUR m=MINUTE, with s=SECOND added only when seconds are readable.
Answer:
h=12 m=5
